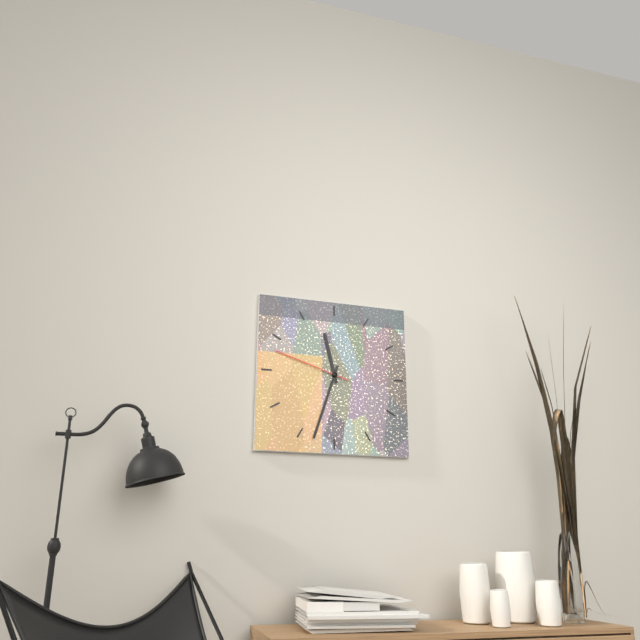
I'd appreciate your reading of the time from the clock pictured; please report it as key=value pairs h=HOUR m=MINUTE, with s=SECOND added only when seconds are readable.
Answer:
h=11 m=33 s=48
